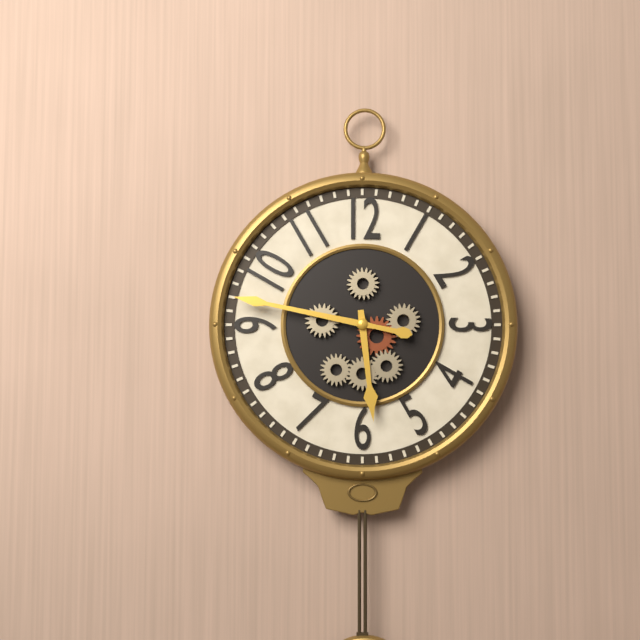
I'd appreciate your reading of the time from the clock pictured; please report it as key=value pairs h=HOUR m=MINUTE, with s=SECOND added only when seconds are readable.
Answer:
h=5 m=47
